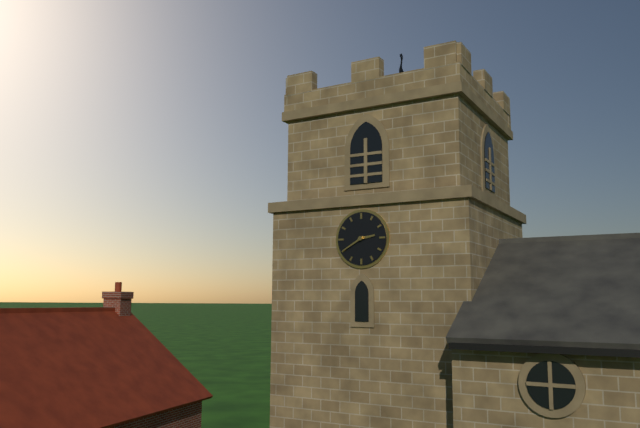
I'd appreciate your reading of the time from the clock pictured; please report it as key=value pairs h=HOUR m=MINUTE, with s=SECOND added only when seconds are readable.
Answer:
h=2 m=40
